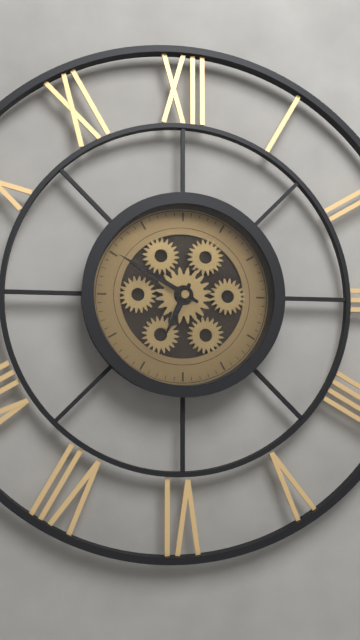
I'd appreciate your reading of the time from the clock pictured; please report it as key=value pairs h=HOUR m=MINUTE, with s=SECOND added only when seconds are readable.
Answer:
h=6 m=50
